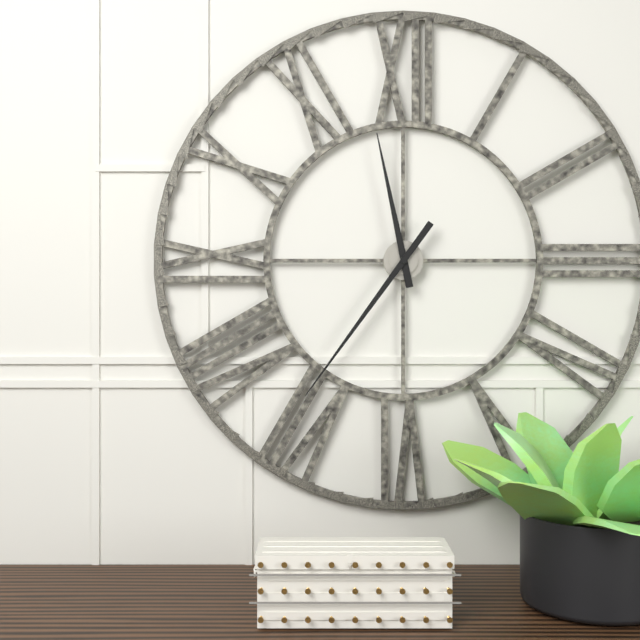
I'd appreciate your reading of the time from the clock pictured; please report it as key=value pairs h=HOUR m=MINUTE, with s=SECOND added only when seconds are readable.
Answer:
h=11 m=36
